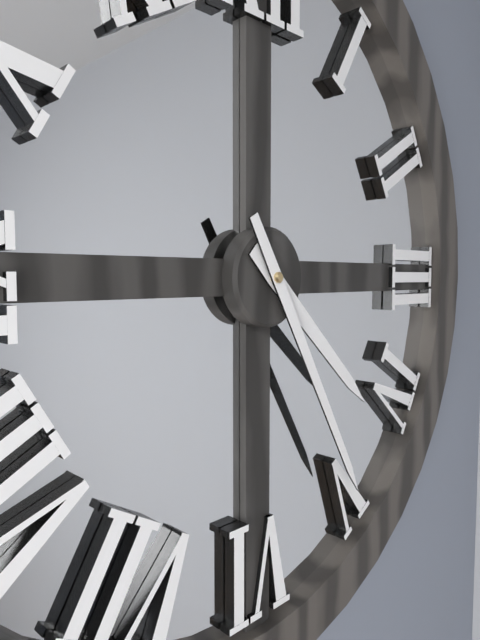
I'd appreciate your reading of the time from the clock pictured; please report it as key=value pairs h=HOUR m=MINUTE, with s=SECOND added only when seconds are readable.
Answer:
h=4 m=25
